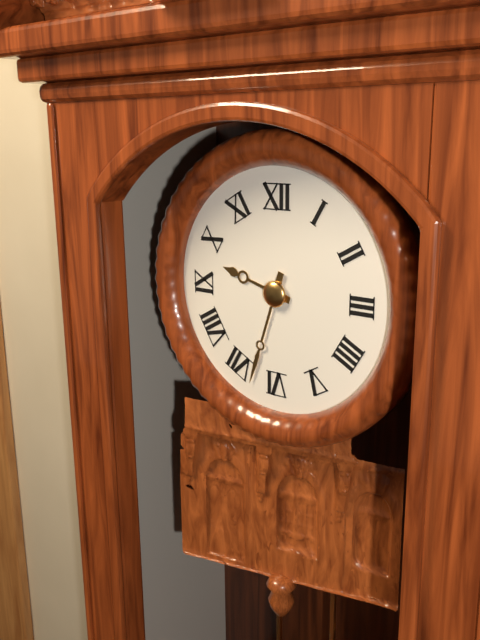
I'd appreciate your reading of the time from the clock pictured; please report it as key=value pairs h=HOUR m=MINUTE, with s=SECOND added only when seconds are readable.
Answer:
h=9 m=33
